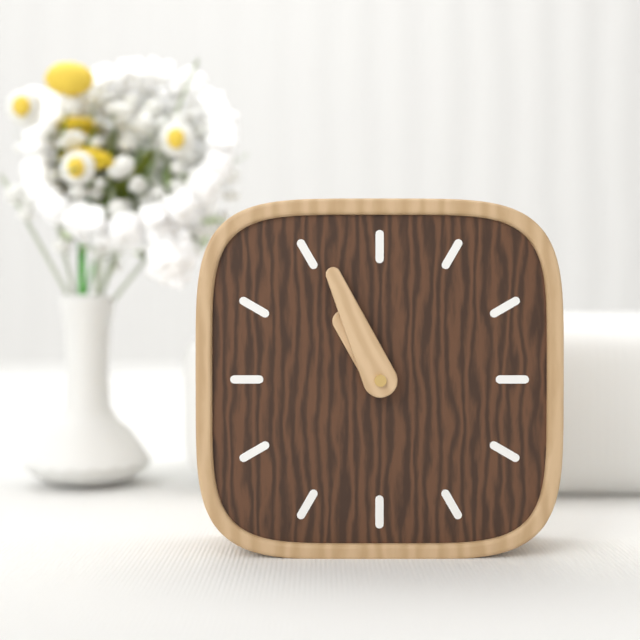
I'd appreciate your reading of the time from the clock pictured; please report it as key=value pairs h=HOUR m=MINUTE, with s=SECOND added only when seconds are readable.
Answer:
h=10 m=56
